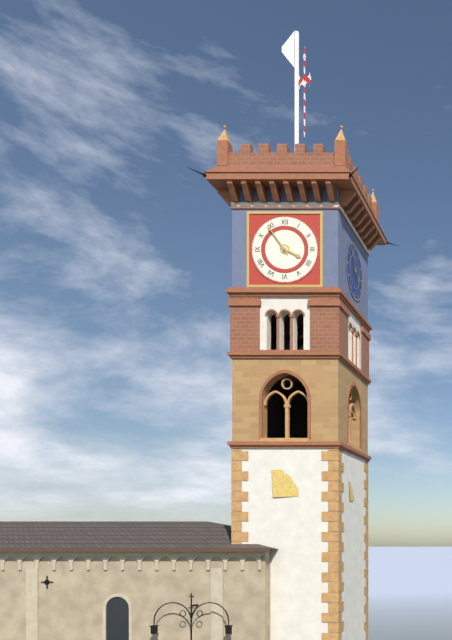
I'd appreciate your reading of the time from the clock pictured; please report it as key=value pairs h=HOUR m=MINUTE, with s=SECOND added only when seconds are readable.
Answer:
h=3 m=54
